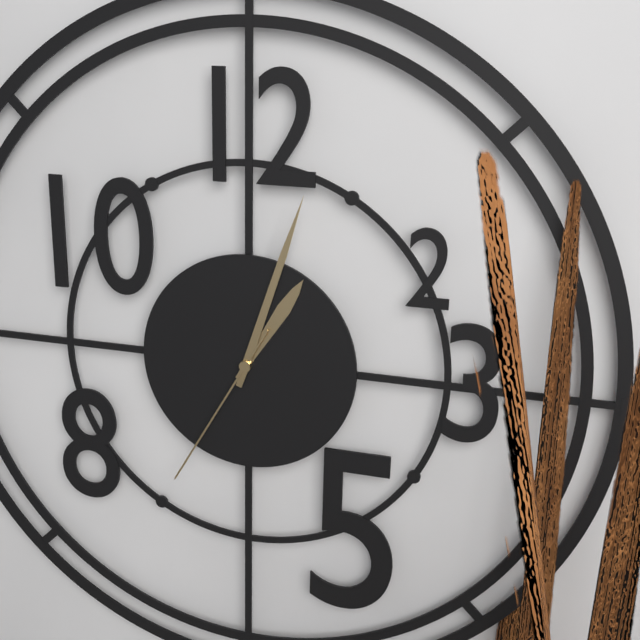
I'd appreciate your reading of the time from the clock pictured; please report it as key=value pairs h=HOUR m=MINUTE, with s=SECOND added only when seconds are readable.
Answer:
h=1 m=3 s=35
